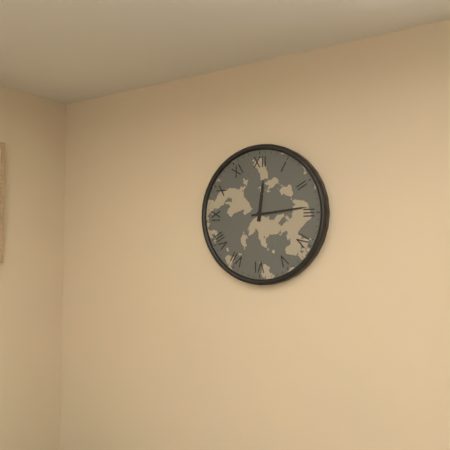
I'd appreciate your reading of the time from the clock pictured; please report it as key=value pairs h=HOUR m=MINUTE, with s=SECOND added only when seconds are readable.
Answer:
h=12 m=14
